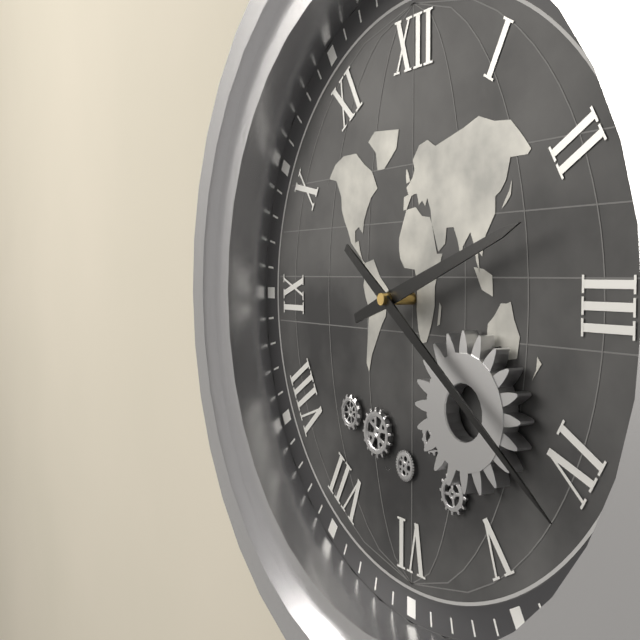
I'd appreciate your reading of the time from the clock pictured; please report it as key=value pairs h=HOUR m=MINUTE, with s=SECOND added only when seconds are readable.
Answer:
h=2 m=21
